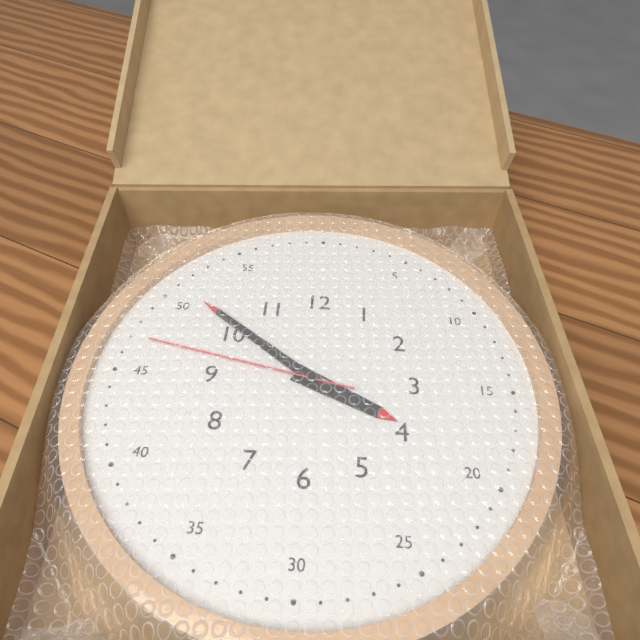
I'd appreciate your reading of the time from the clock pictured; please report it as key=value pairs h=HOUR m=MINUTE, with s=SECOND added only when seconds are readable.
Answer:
h=3 m=51 s=47
